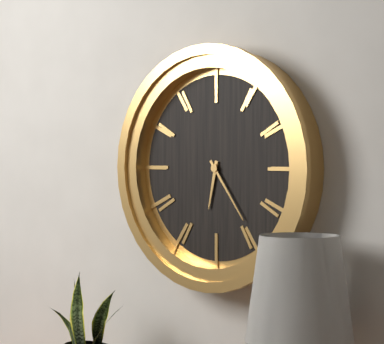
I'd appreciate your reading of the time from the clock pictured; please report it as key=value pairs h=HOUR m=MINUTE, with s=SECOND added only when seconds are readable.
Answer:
h=6 m=24
